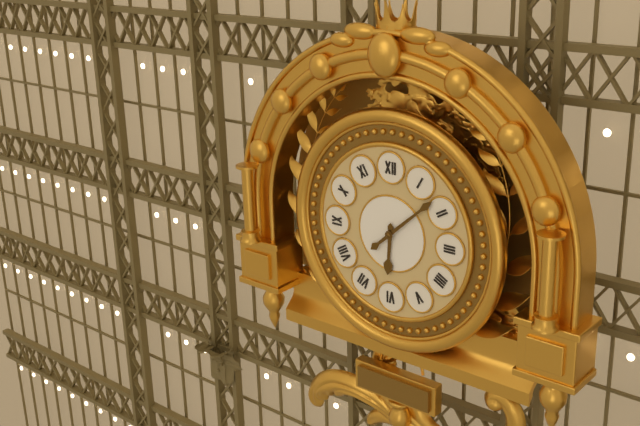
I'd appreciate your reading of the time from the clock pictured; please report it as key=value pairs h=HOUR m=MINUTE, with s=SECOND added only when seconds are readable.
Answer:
h=6 m=8
